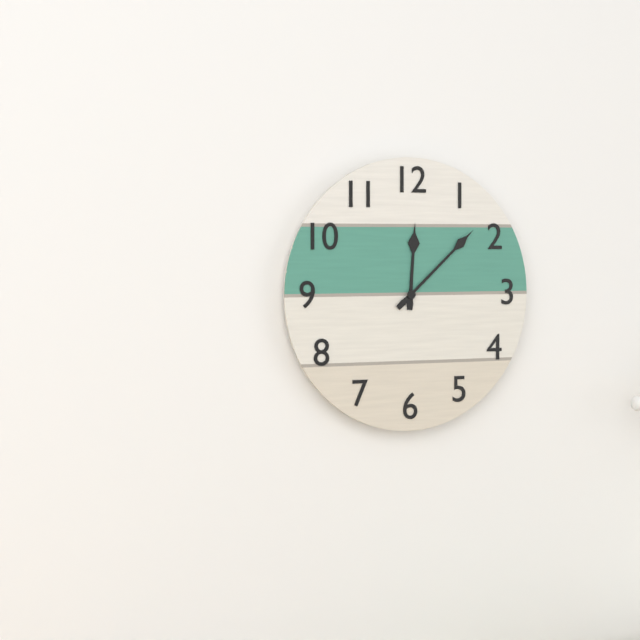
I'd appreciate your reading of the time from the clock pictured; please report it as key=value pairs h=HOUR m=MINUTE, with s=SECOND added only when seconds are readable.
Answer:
h=12 m=8
